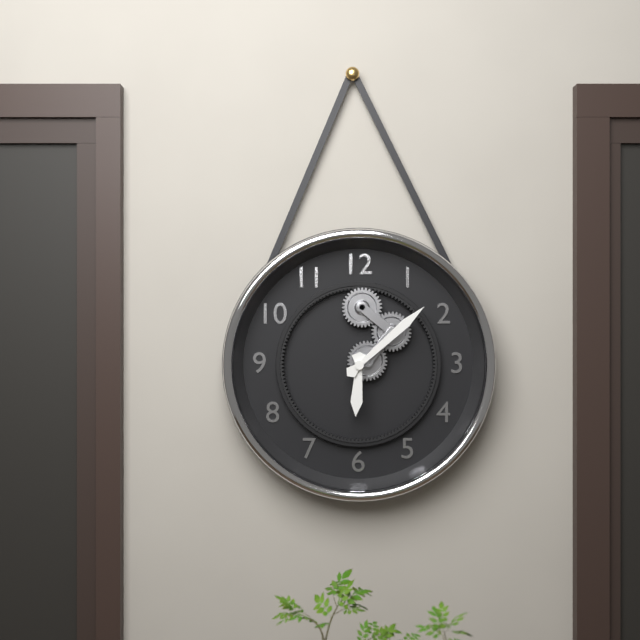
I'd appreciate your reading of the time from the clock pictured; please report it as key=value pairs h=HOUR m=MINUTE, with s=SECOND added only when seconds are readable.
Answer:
h=6 m=8
